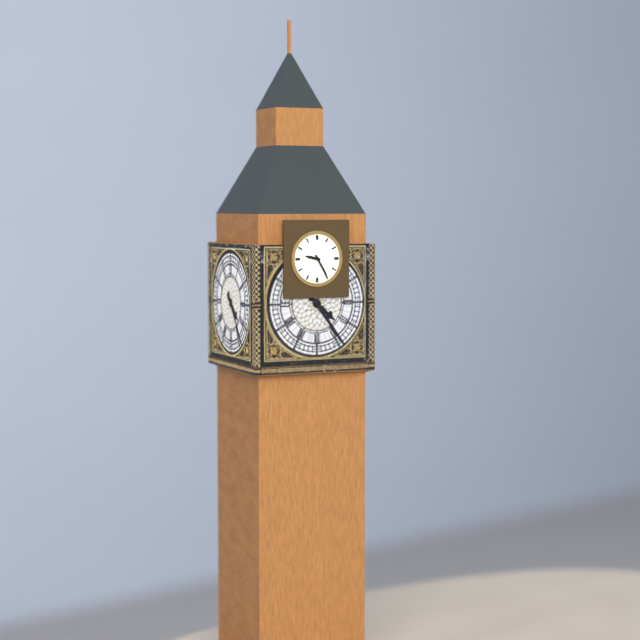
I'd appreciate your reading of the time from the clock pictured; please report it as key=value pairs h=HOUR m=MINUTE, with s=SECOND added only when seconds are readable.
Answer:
h=9 m=25
